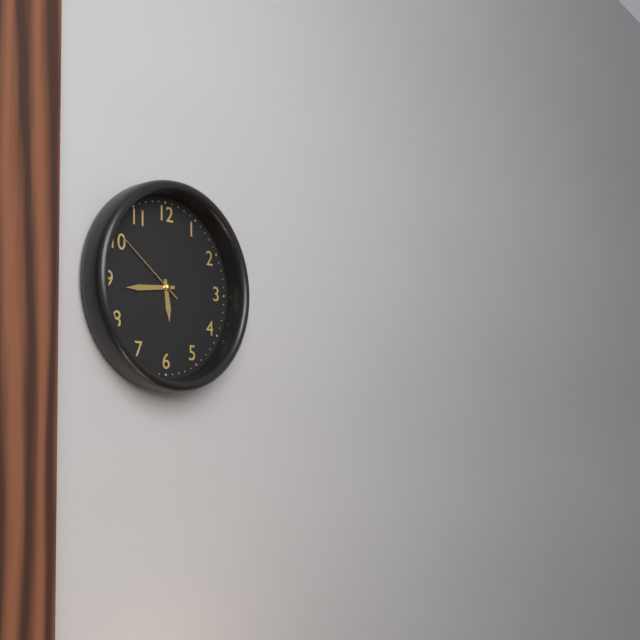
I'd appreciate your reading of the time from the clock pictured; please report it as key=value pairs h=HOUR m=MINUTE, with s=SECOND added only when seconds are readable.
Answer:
h=5 m=44 s=51
